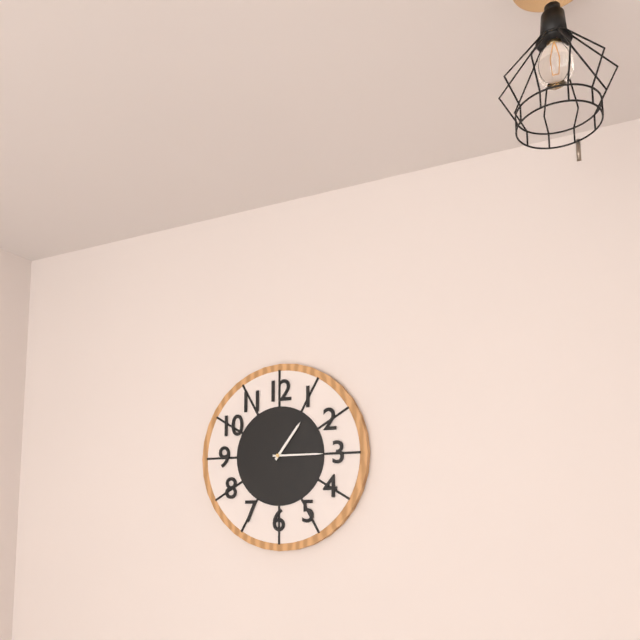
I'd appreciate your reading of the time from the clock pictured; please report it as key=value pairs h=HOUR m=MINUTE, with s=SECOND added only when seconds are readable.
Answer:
h=1 m=15
